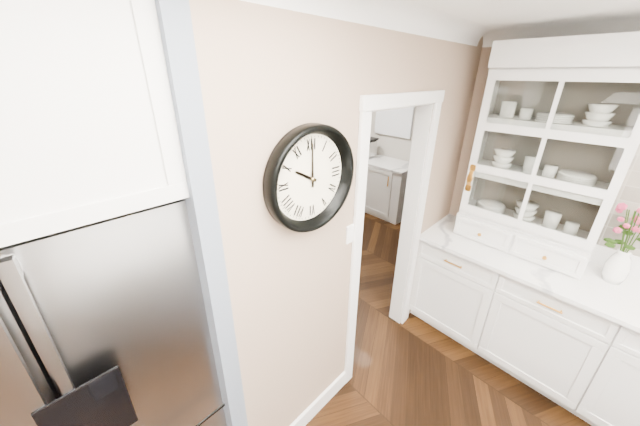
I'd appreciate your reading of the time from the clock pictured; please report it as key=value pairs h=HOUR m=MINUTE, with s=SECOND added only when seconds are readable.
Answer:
h=10 m=0
